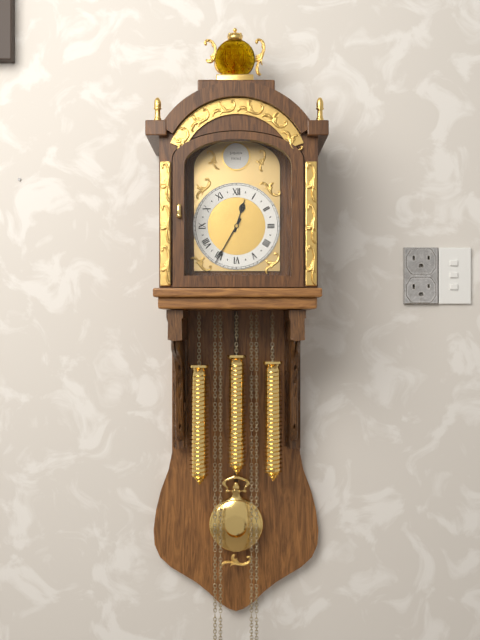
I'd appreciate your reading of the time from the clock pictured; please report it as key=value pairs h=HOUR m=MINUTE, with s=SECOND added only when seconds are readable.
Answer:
h=12 m=35
